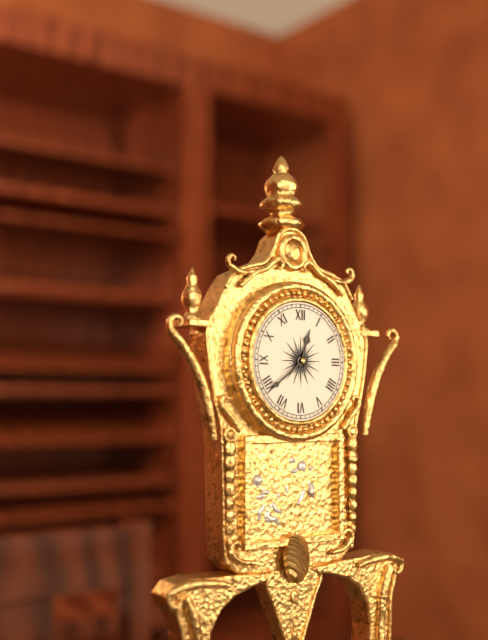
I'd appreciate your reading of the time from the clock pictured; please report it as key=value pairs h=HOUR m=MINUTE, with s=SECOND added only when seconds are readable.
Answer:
h=12 m=39
